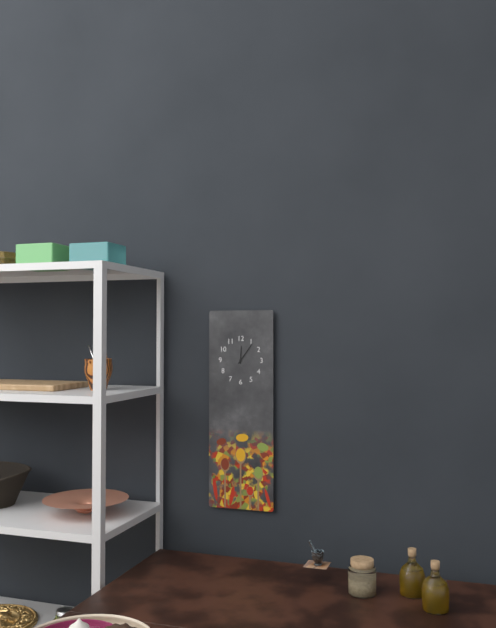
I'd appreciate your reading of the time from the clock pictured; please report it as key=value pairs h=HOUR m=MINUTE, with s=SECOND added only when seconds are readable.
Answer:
h=12 m=6
